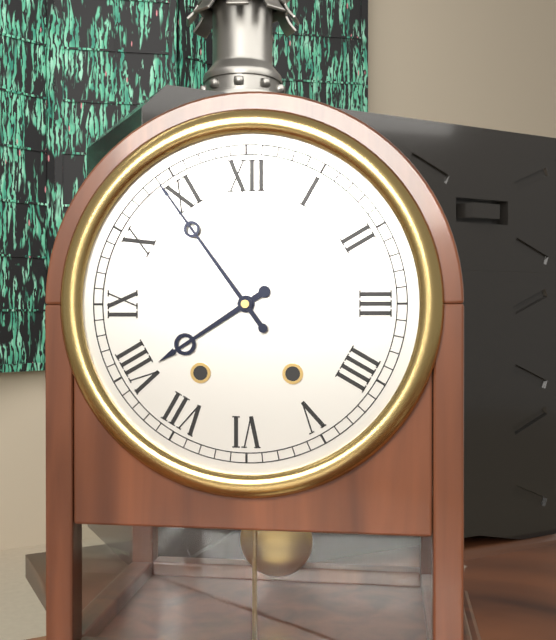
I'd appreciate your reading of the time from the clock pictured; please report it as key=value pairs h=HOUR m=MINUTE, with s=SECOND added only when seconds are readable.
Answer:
h=7 m=54
